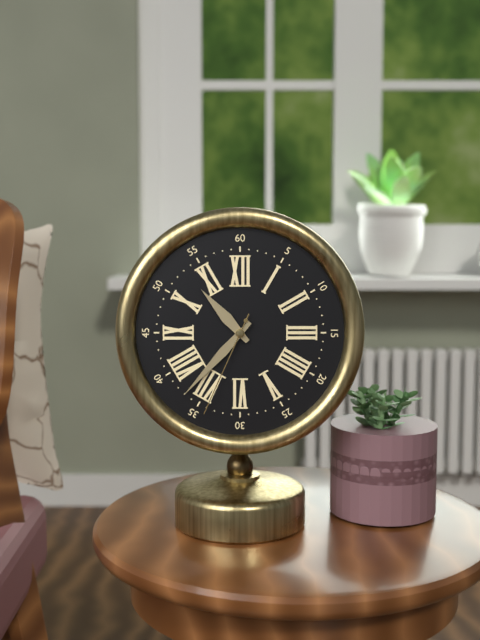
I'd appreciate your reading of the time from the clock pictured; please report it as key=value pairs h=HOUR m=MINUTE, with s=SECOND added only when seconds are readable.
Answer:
h=10 m=37 s=34
